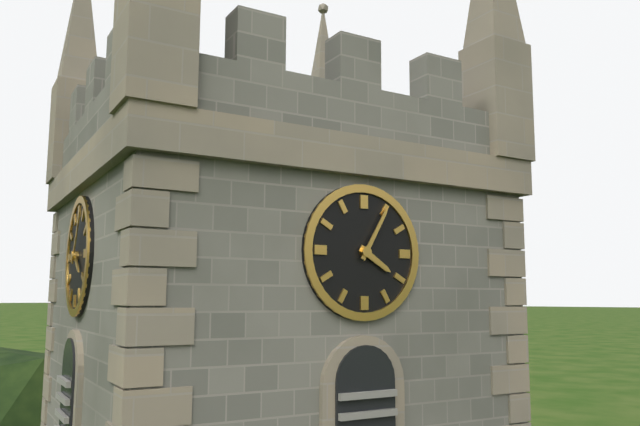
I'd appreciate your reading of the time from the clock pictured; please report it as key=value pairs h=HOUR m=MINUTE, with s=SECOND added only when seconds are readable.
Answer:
h=4 m=5
